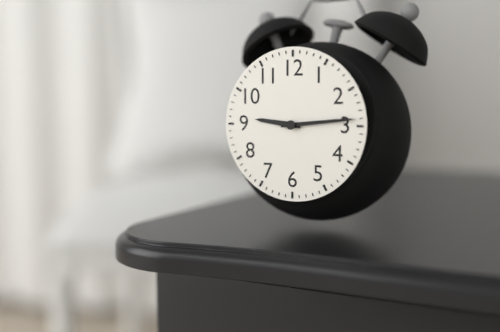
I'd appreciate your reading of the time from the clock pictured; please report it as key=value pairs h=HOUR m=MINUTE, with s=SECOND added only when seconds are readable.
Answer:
h=9 m=14
